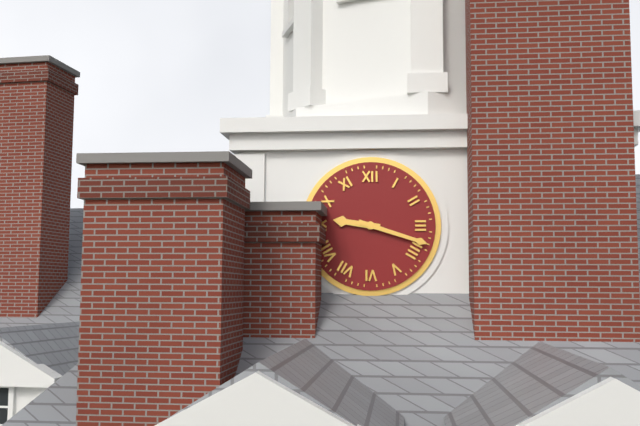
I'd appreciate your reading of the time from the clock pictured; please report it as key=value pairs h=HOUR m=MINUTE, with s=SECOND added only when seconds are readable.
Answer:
h=9 m=18
